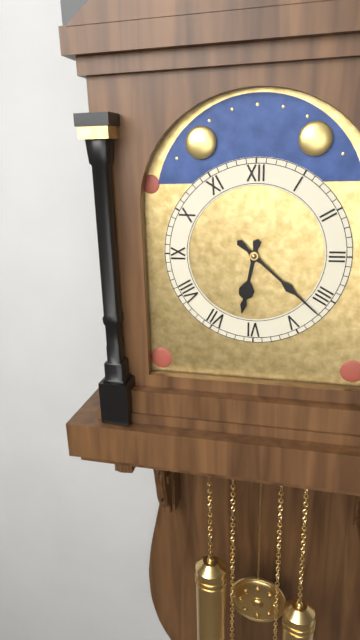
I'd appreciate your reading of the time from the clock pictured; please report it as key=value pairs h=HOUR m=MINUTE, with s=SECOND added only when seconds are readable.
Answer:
h=6 m=22
